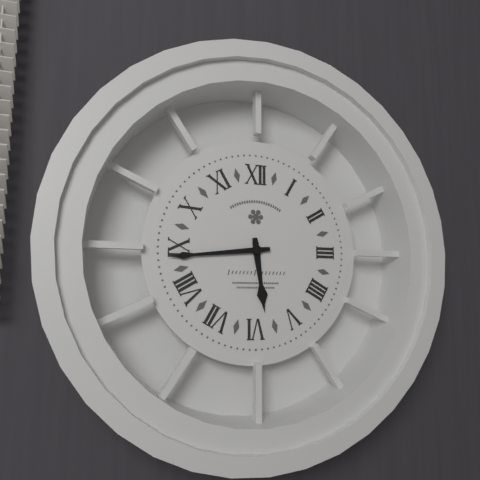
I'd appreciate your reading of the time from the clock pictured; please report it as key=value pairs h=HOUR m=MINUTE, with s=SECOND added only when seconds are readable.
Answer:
h=5 m=44
